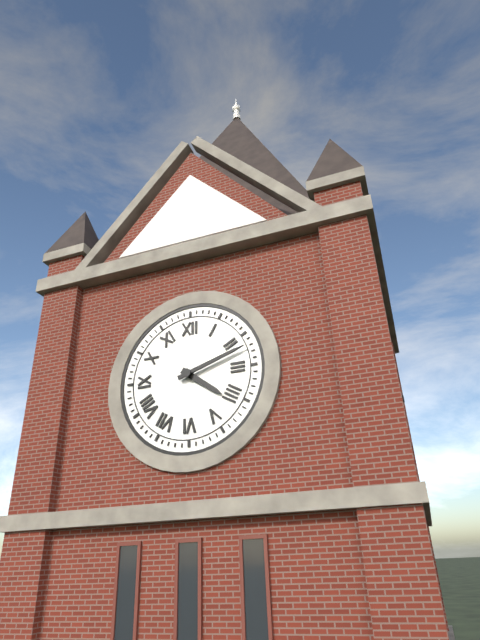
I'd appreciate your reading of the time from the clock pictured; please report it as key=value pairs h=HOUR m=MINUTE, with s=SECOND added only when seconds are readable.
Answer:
h=4 m=12
